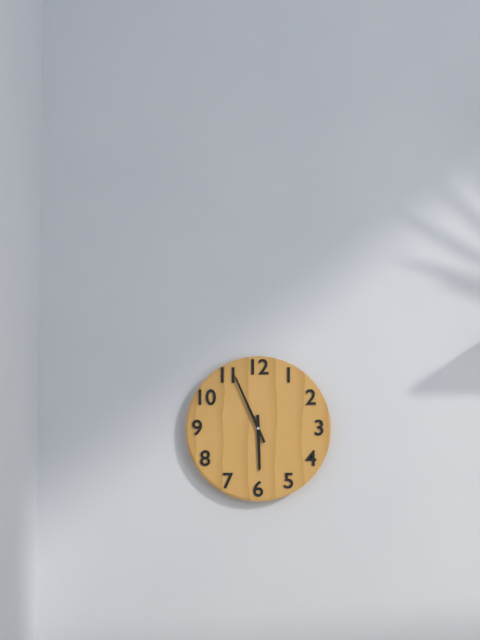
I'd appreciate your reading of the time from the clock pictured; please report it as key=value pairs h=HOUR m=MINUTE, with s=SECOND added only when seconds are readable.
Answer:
h=5 m=56
